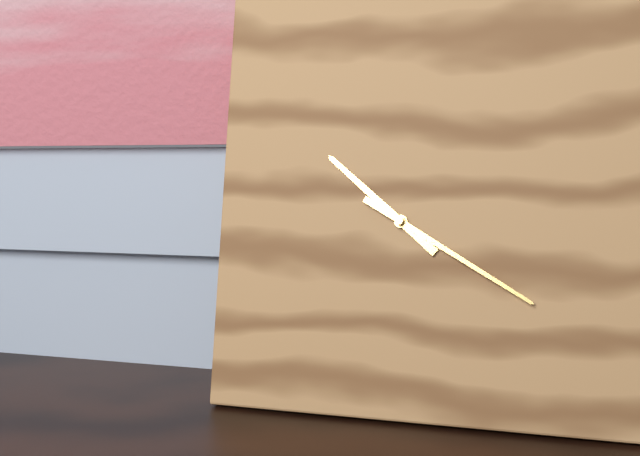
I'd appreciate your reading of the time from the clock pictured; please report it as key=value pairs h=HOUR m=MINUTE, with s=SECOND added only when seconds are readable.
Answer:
h=10 m=20
